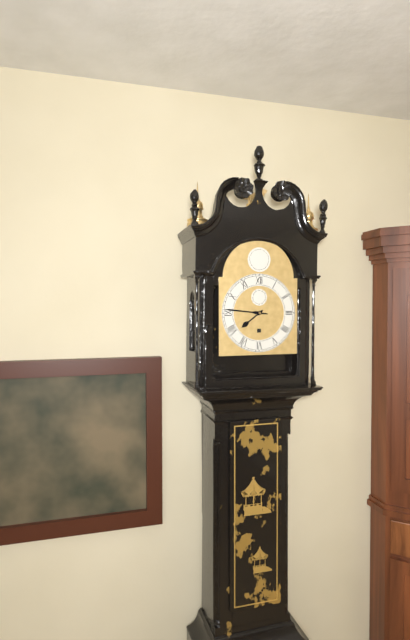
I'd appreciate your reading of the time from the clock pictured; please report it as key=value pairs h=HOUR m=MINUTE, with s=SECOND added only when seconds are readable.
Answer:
h=7 m=46
